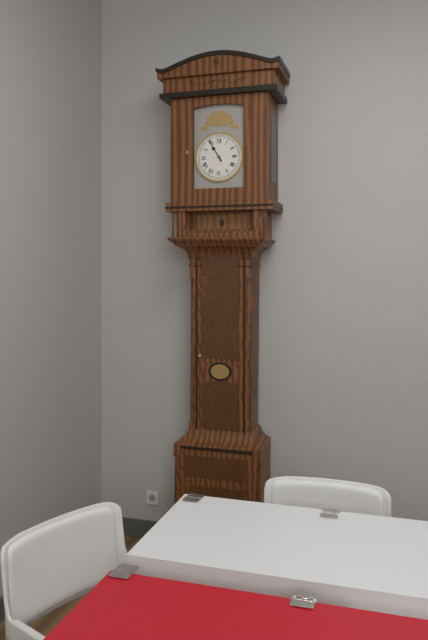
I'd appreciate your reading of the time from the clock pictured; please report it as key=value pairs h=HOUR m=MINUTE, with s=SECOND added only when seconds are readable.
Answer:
h=10 m=55
